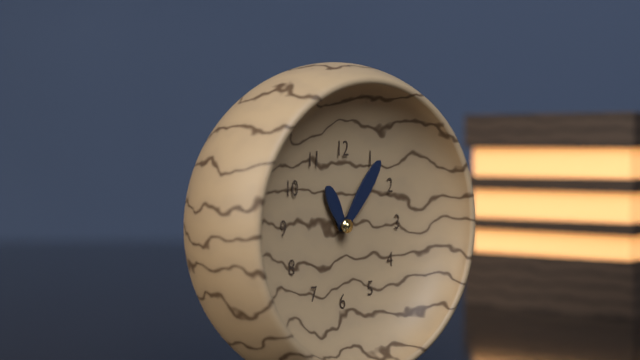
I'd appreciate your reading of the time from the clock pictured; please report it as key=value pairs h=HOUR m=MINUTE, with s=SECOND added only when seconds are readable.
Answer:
h=11 m=6
